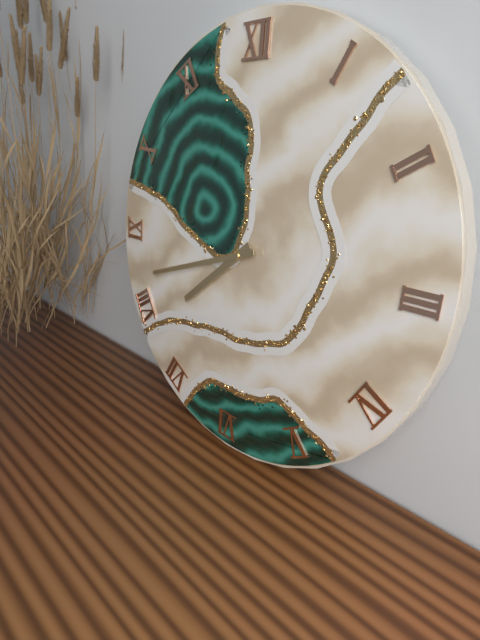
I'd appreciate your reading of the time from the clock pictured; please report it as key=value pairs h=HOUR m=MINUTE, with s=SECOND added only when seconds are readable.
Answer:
h=7 m=42
